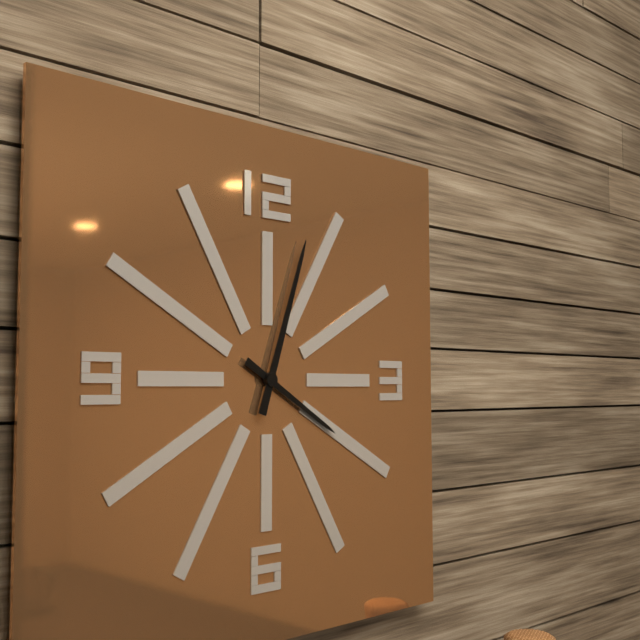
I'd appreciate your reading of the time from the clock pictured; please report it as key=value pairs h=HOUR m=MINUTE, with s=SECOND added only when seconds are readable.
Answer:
h=4 m=3
